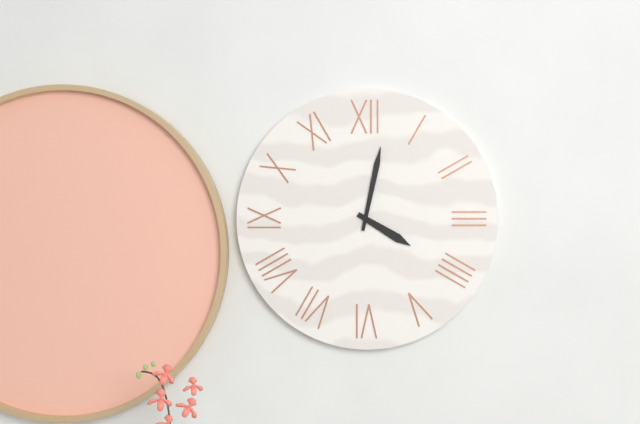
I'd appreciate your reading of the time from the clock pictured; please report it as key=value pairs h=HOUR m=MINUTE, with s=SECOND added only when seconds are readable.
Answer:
h=4 m=2
